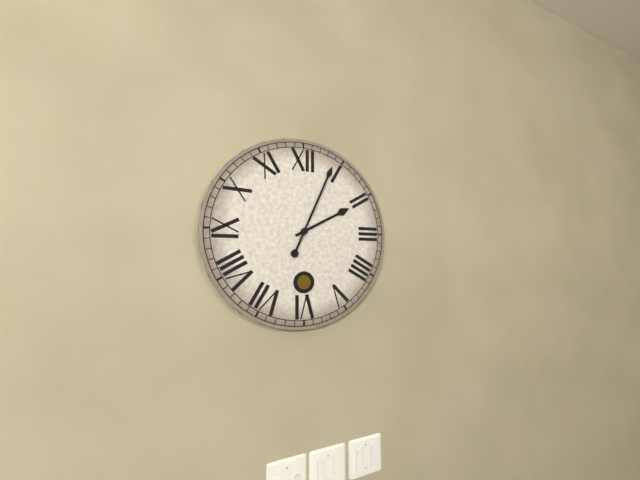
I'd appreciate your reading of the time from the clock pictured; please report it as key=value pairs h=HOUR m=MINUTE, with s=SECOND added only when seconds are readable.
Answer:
h=2 m=4
